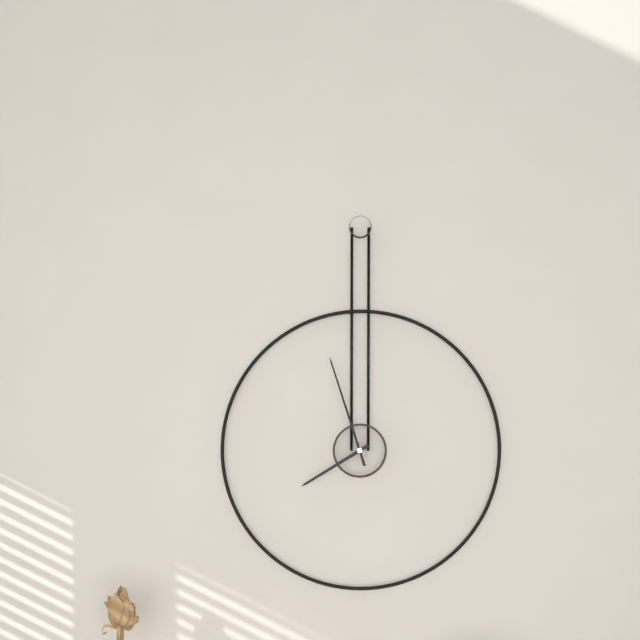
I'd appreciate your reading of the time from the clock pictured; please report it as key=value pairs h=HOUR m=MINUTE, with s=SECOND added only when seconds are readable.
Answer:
h=7 m=57
